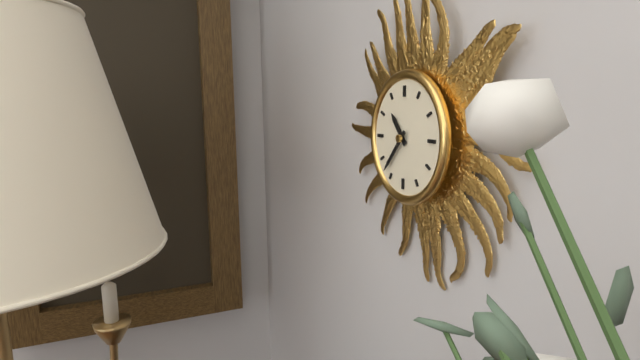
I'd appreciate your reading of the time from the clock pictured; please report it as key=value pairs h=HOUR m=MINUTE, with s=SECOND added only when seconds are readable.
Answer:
h=10 m=37
